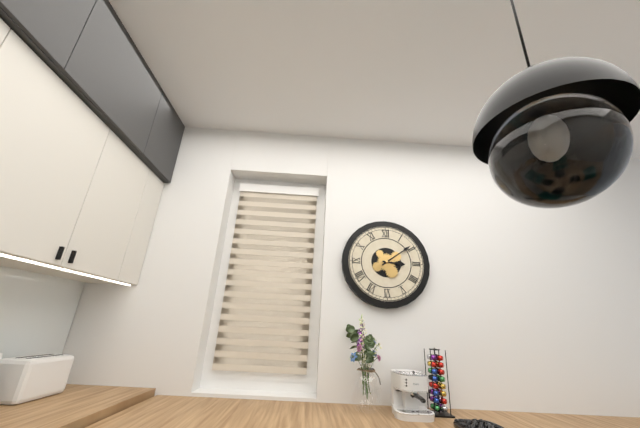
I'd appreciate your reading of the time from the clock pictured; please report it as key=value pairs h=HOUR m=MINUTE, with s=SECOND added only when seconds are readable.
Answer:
h=3 m=9
